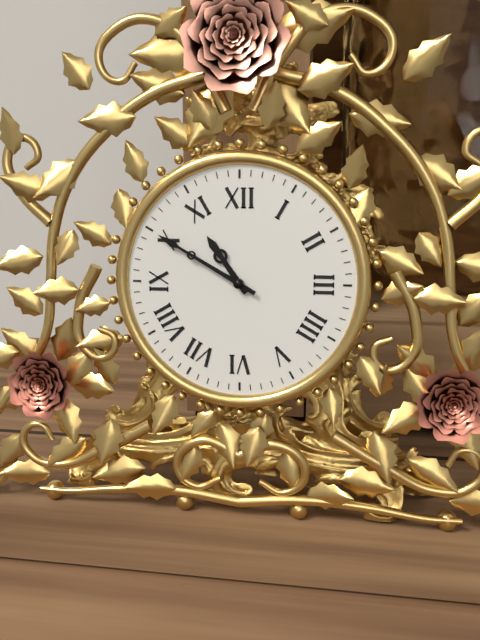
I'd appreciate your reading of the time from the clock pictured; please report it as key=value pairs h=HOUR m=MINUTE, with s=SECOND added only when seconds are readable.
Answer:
h=10 m=50
